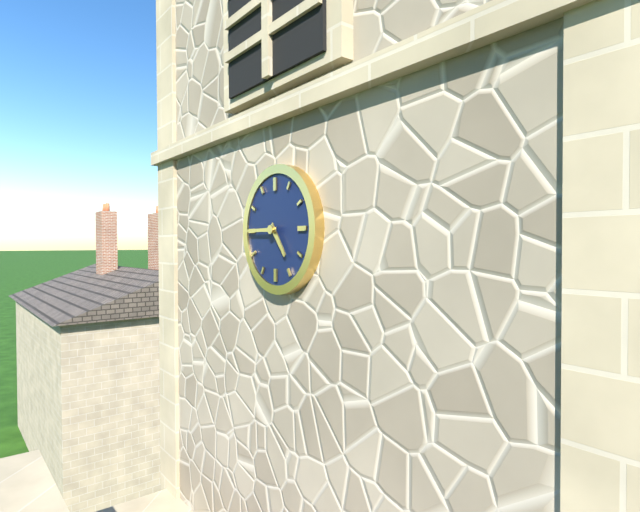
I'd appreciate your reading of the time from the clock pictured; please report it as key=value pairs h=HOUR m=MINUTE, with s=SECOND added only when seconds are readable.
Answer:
h=4 m=45
